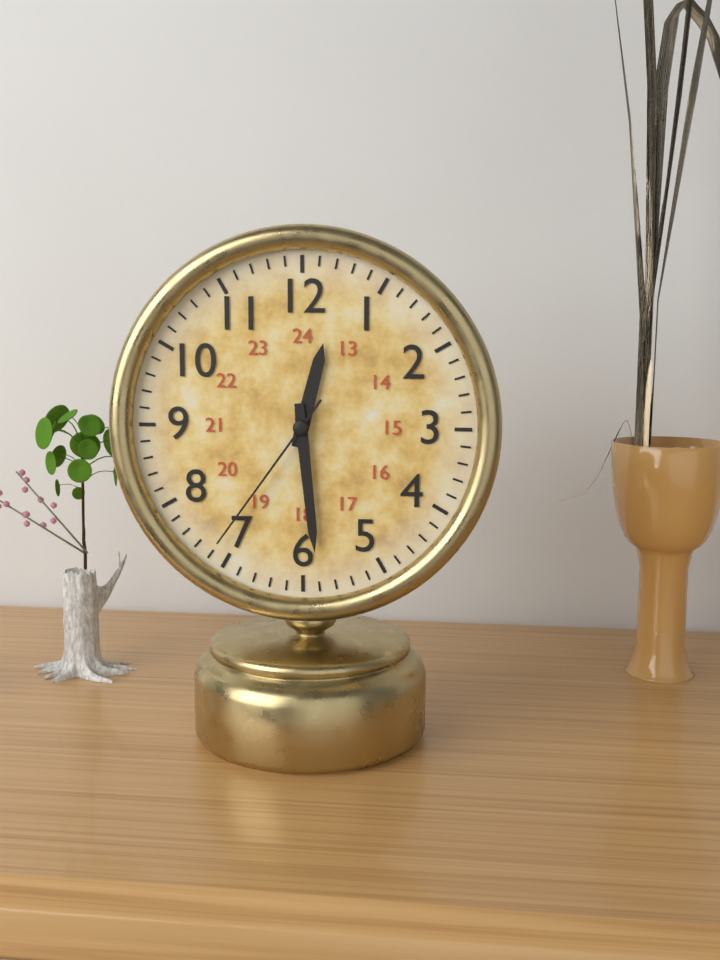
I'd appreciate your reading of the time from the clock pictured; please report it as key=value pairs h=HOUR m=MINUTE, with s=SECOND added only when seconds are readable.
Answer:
h=12 m=29 s=36
